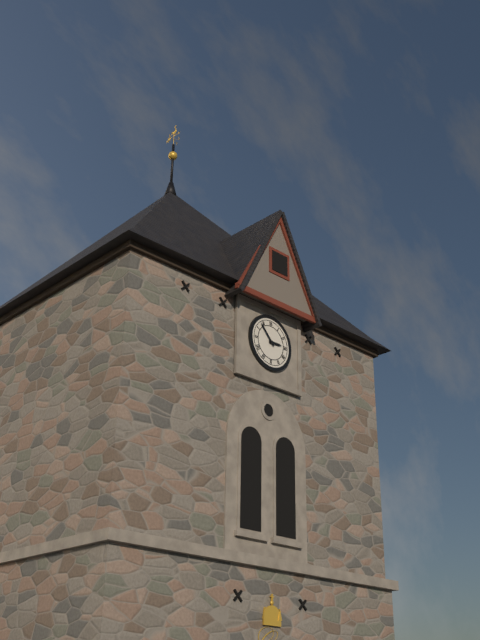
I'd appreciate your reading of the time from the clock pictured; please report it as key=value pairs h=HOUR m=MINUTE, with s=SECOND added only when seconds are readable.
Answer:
h=2 m=53
